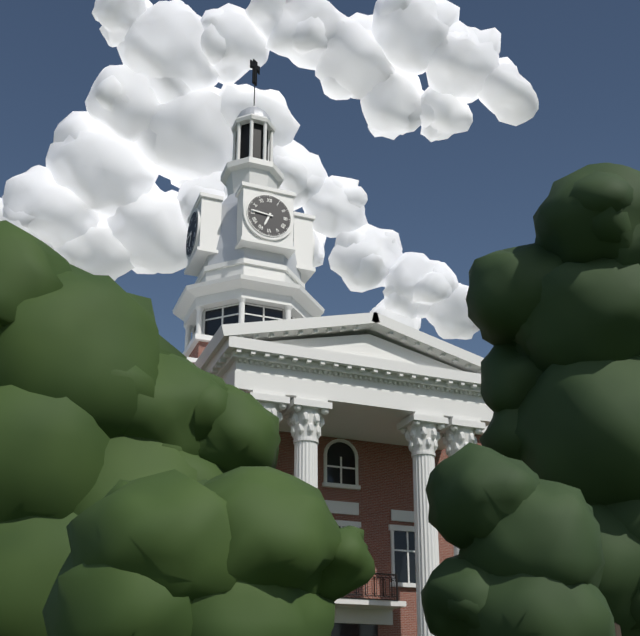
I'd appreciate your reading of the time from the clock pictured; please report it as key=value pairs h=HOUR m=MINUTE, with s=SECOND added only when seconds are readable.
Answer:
h=6 m=46
